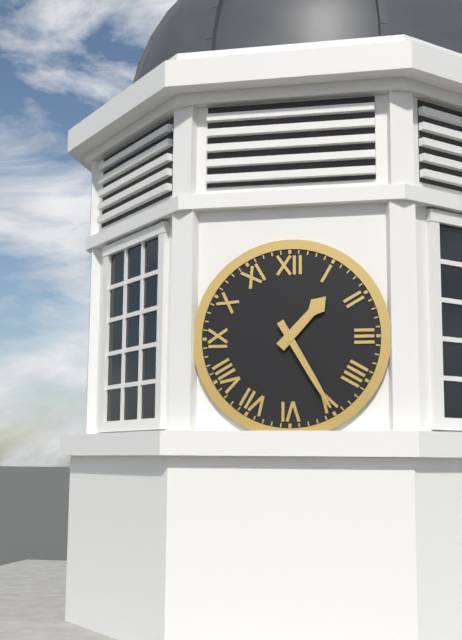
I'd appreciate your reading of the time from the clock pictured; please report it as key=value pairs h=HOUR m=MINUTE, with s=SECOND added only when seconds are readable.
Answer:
h=1 m=25
